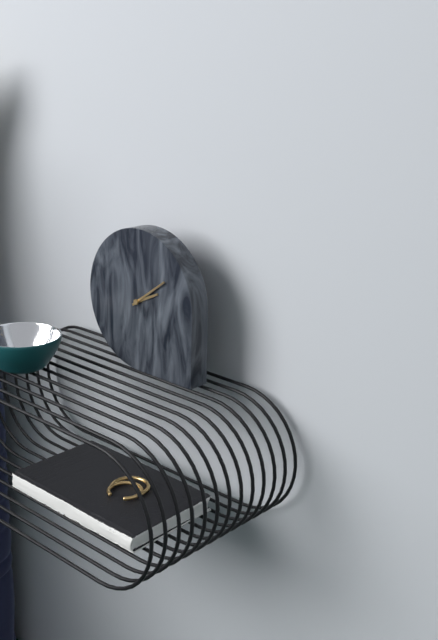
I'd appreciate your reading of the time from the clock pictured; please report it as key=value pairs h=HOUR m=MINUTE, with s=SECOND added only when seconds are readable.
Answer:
h=2 m=9
